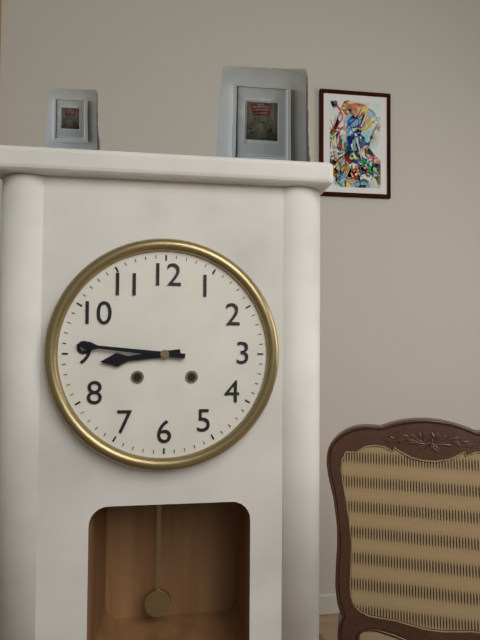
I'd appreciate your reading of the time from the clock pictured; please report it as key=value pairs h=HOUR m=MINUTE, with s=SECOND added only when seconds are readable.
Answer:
h=8 m=46
